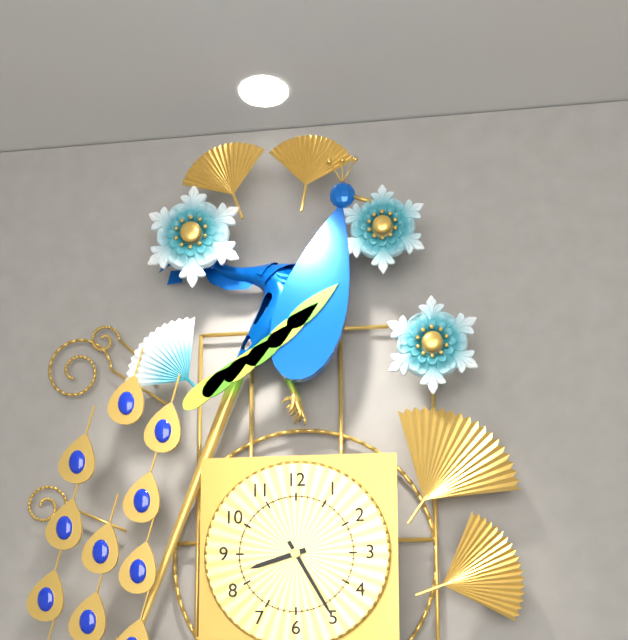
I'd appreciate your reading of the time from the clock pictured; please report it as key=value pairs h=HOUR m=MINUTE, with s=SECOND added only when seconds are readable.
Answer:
h=8 m=25
